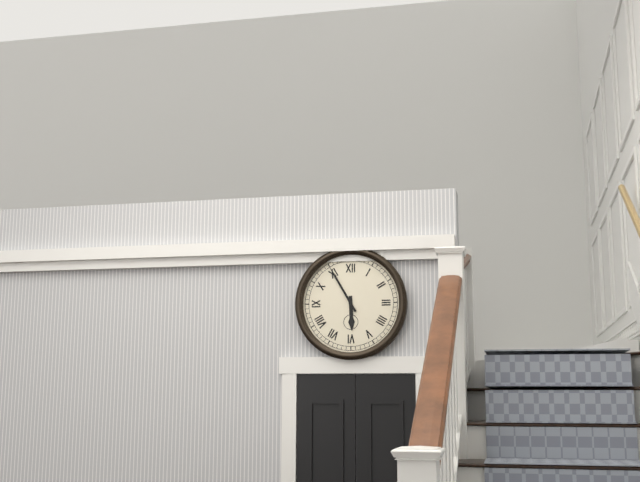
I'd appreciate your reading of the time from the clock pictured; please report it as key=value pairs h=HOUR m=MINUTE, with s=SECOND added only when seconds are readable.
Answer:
h=5 m=55
